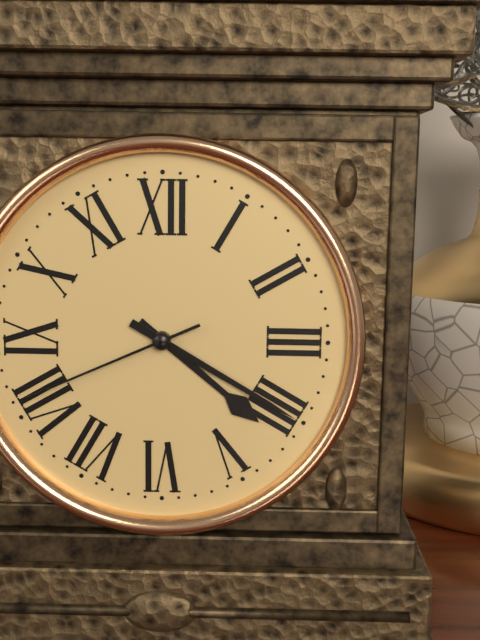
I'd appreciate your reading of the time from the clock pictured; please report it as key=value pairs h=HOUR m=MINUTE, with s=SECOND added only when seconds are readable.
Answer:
h=4 m=20 s=41
